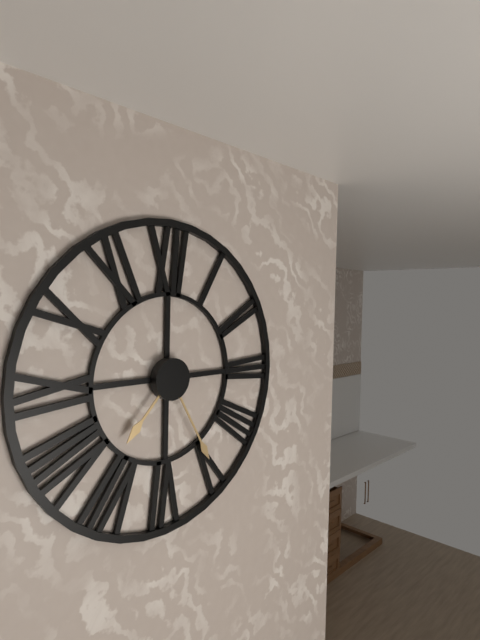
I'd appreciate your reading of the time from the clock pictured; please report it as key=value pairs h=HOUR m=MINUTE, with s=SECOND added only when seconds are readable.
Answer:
h=7 m=25
